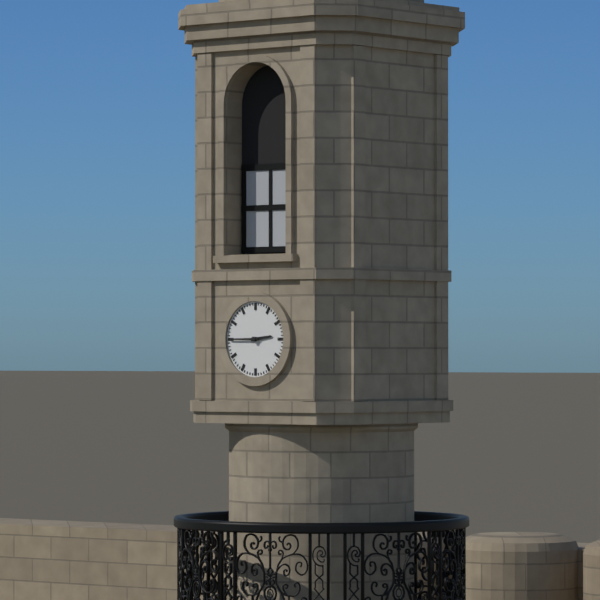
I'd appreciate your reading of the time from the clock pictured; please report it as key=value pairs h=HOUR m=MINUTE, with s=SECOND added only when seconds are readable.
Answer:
h=2 m=45
